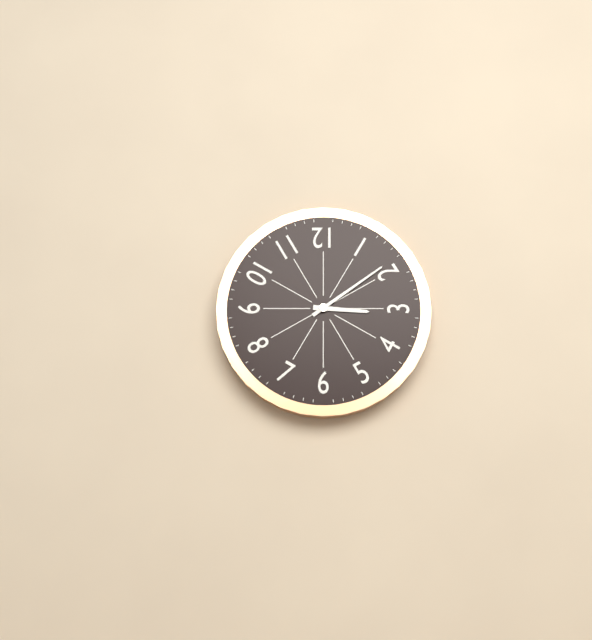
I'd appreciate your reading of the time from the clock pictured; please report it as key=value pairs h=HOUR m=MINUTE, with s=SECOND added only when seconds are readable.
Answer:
h=3 m=9
